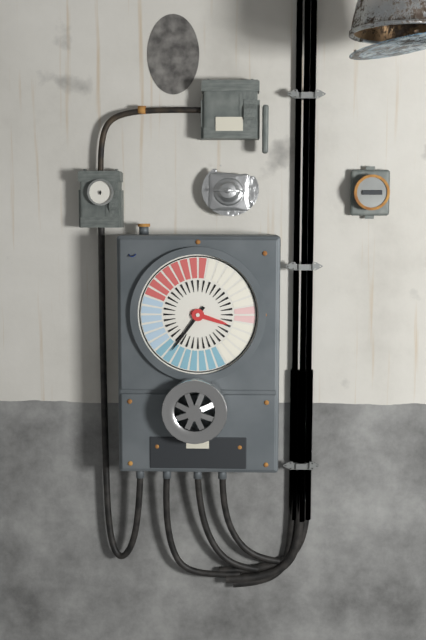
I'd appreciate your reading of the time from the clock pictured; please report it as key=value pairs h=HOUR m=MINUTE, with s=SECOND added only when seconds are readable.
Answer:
h=3 m=36
